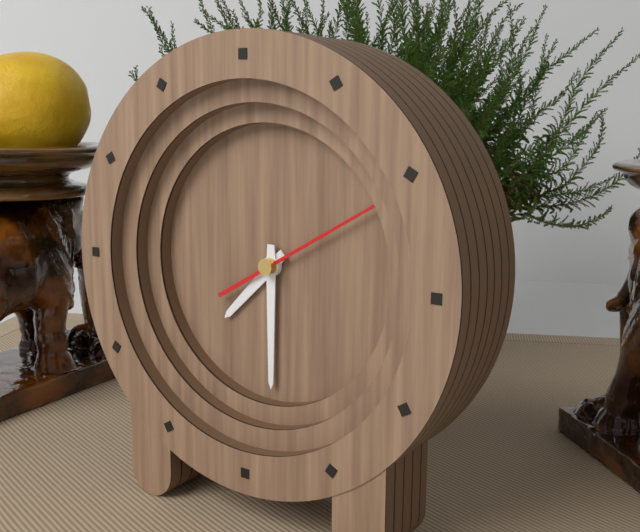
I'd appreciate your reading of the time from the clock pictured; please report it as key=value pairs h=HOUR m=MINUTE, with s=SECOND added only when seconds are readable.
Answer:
h=7 m=30 s=10
